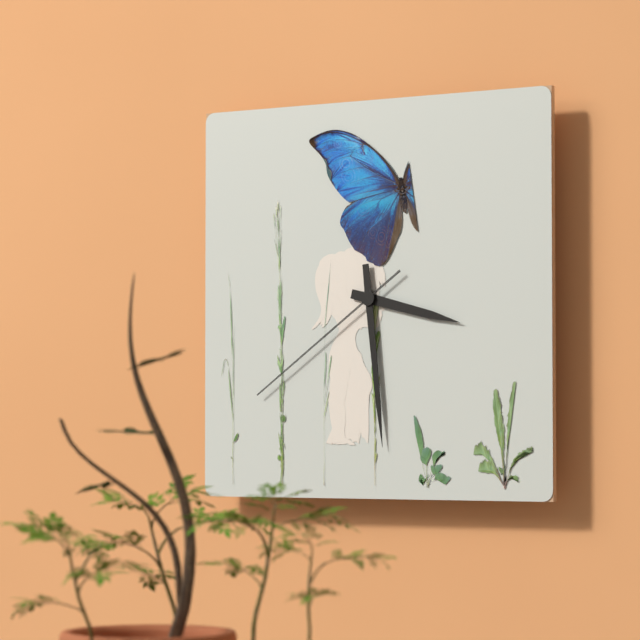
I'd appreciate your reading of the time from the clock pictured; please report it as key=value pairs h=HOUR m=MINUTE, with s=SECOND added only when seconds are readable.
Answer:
h=3 m=29 s=39
